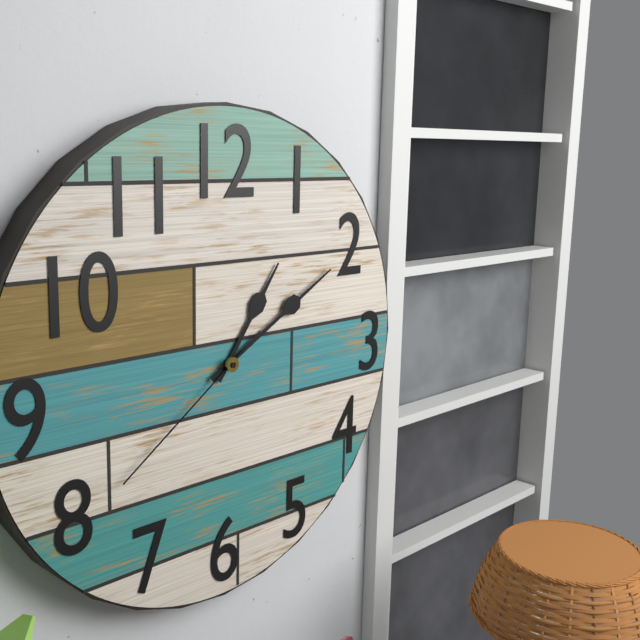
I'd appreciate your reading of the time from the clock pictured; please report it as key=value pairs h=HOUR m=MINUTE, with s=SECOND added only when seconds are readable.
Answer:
h=1 m=10 s=39
